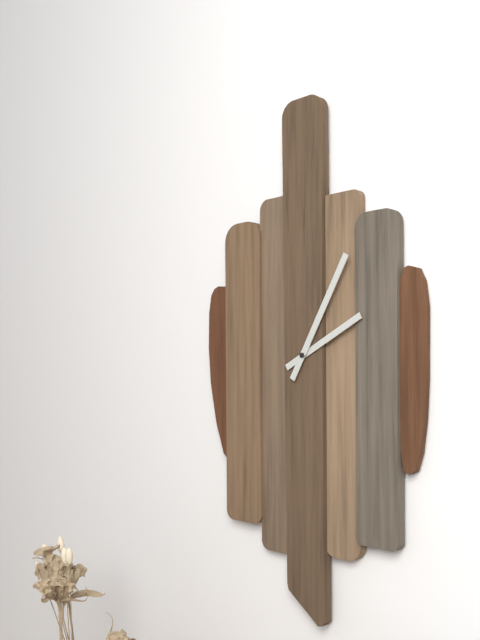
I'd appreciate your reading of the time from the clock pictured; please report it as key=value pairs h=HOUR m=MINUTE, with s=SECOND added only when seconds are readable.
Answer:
h=2 m=5
